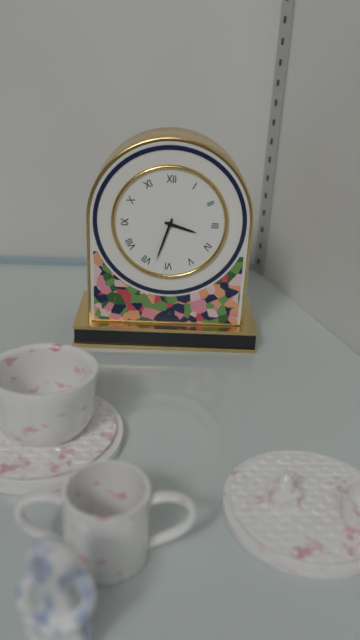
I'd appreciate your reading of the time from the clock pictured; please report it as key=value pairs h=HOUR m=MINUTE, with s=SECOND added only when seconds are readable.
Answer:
h=3 m=33
